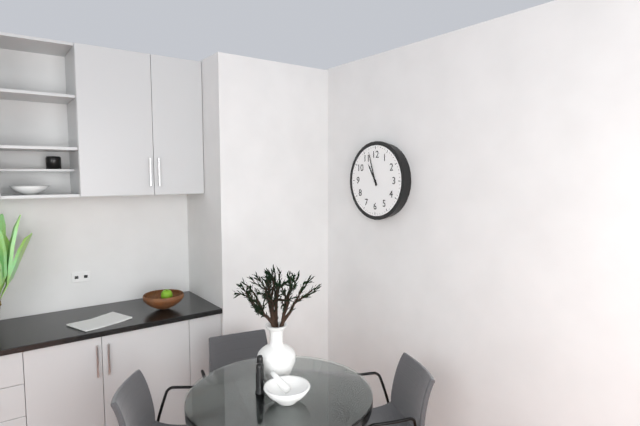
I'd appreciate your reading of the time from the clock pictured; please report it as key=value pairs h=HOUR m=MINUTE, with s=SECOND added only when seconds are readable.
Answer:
h=10 m=57
